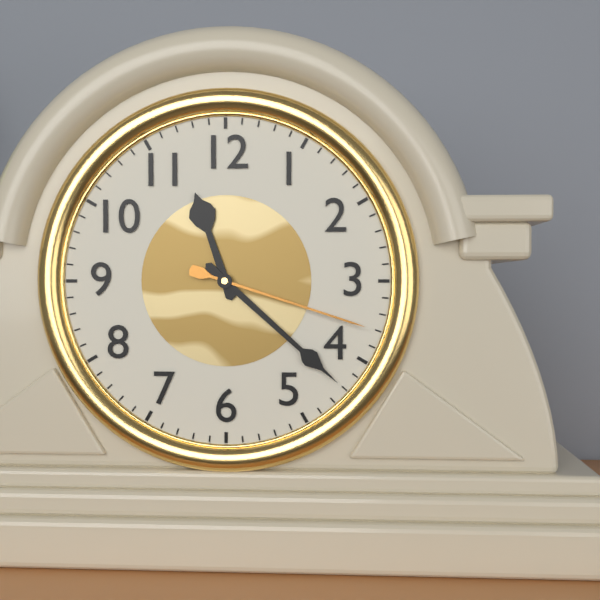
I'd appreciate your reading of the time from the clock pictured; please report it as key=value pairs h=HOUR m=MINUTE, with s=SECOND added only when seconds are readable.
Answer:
h=11 m=22 s=18
